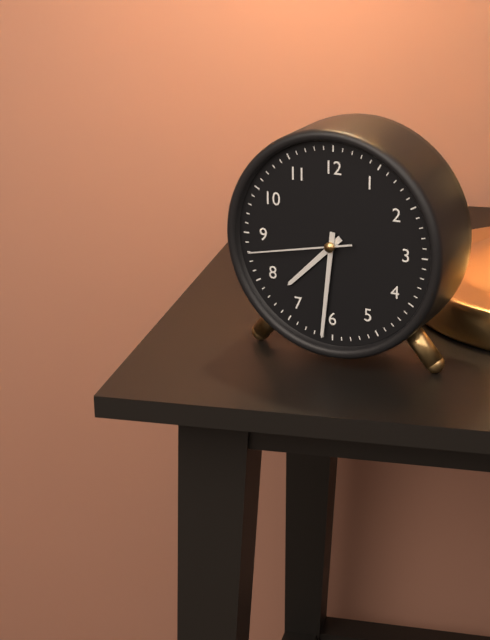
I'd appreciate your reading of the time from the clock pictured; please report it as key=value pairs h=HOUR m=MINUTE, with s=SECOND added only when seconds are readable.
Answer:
h=7 m=31 s=43
